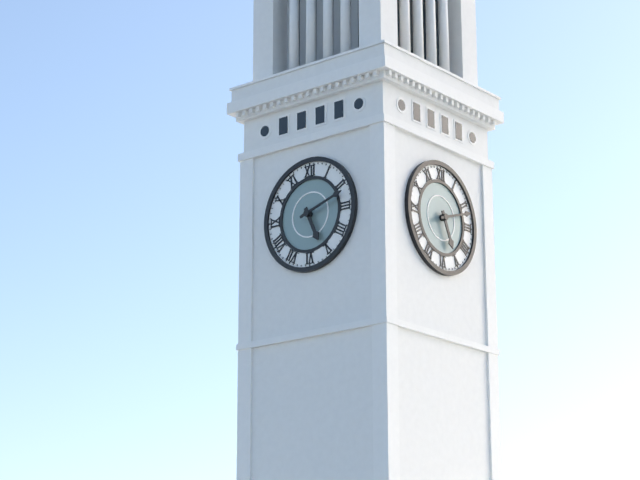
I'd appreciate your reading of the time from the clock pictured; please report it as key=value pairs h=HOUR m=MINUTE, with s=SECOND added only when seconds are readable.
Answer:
h=5 m=12
